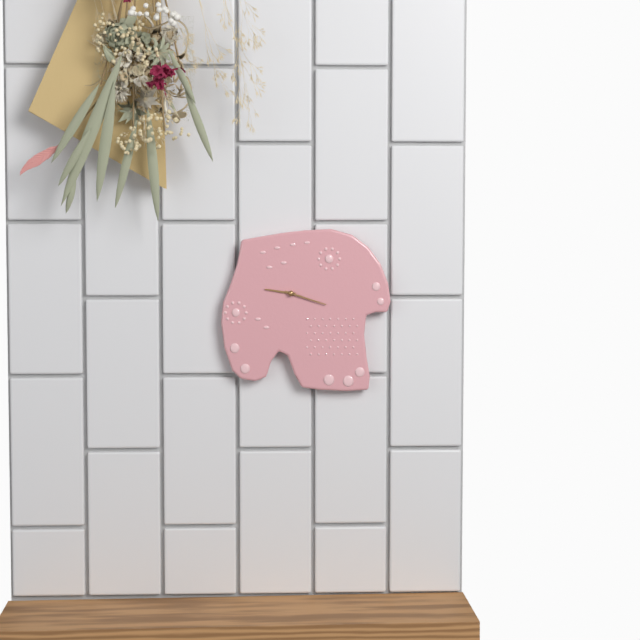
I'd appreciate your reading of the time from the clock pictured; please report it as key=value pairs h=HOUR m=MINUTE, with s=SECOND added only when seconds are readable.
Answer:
h=9 m=18
